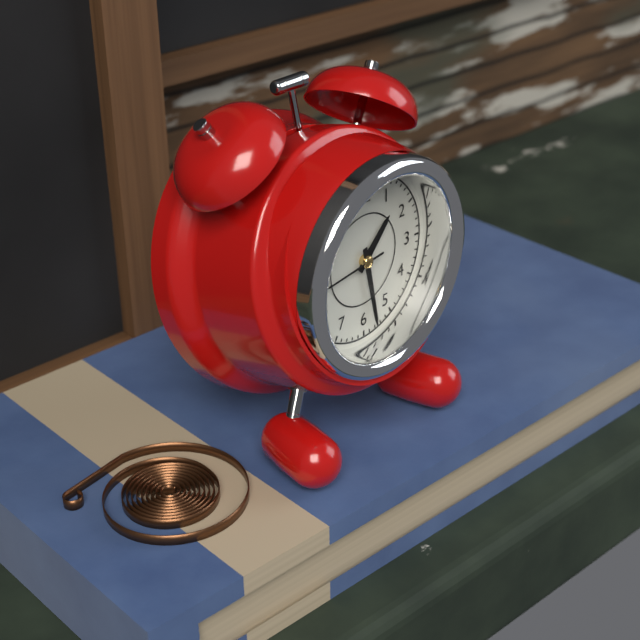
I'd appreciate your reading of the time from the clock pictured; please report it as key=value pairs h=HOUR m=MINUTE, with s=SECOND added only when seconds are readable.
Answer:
h=1 m=28
